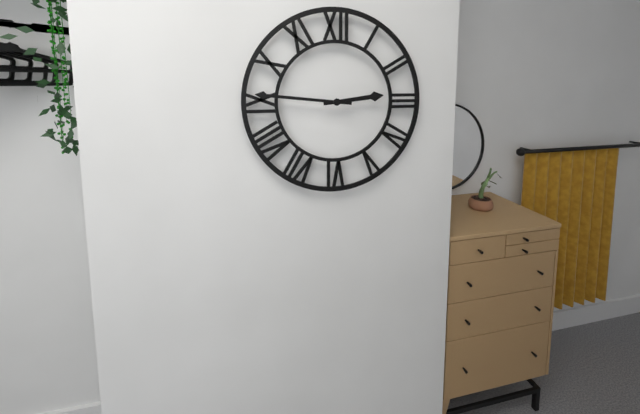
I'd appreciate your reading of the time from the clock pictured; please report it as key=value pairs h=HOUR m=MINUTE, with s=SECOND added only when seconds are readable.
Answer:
h=2 m=46
